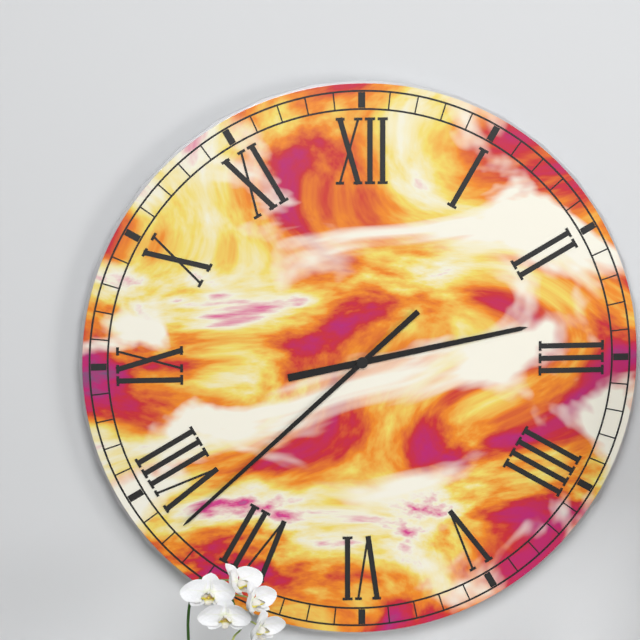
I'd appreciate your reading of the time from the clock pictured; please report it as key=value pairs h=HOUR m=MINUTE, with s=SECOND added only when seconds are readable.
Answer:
h=2 m=38
